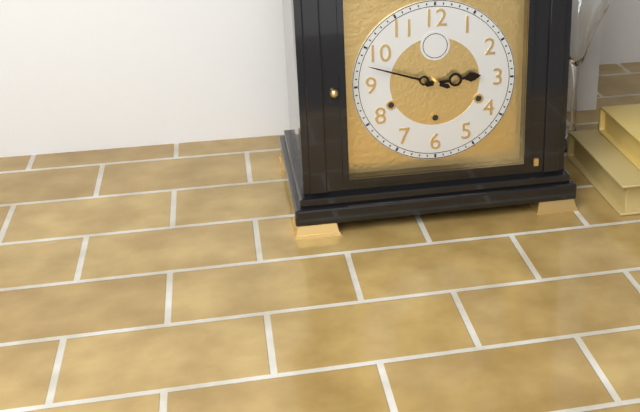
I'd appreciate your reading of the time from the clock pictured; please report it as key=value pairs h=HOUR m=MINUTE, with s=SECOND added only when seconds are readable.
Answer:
h=2 m=48
